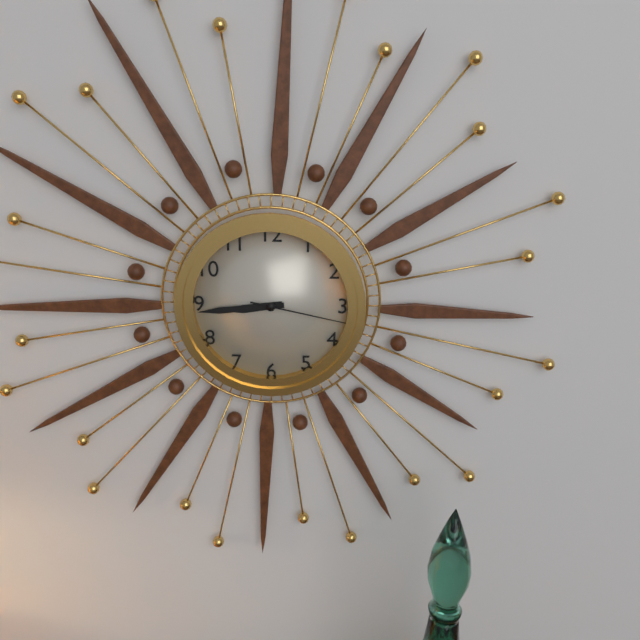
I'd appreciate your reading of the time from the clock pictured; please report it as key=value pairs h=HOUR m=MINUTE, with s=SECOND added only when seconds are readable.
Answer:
h=8 m=44 s=17
